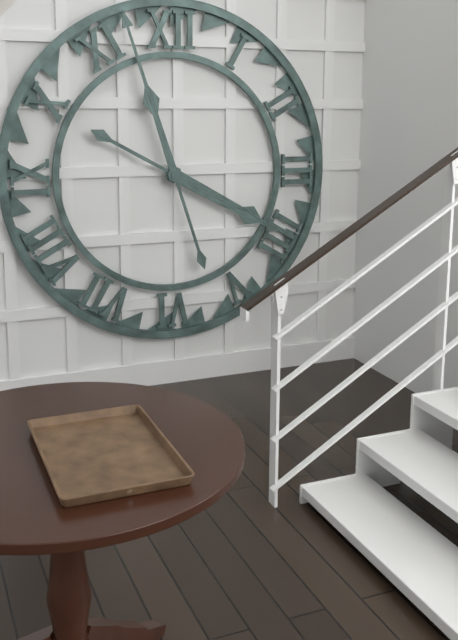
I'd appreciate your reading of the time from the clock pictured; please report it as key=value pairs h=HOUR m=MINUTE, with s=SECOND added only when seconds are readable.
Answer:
h=3 m=57
